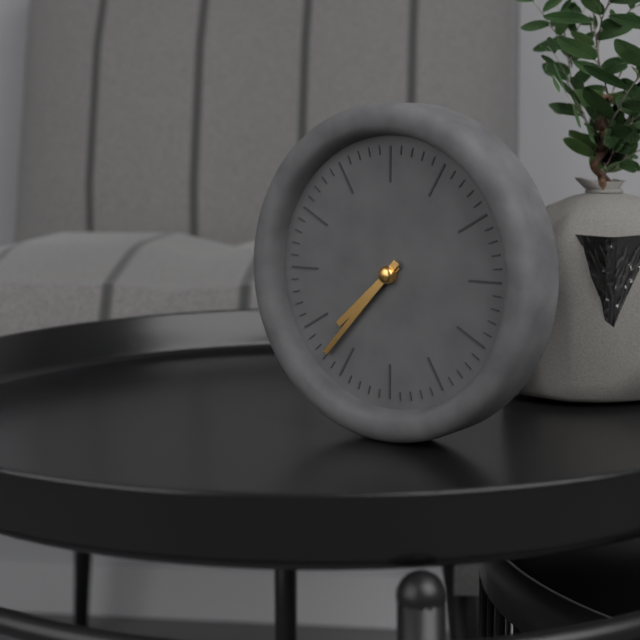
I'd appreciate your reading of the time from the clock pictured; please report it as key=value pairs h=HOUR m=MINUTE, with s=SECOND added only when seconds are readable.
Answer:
h=7 m=37
